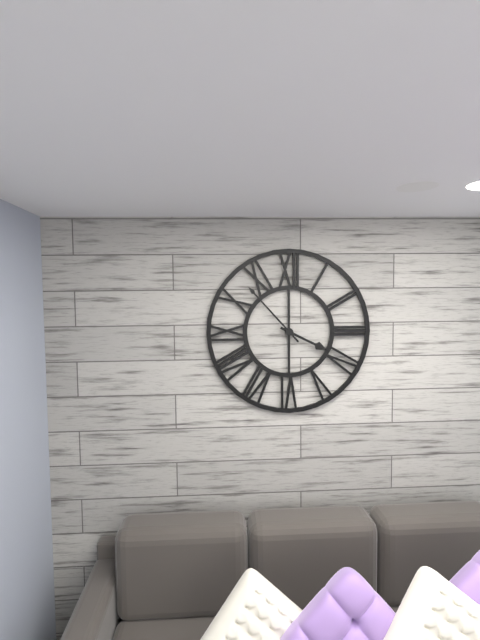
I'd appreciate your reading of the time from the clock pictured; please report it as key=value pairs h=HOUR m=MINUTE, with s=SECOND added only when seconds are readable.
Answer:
h=3 m=53
